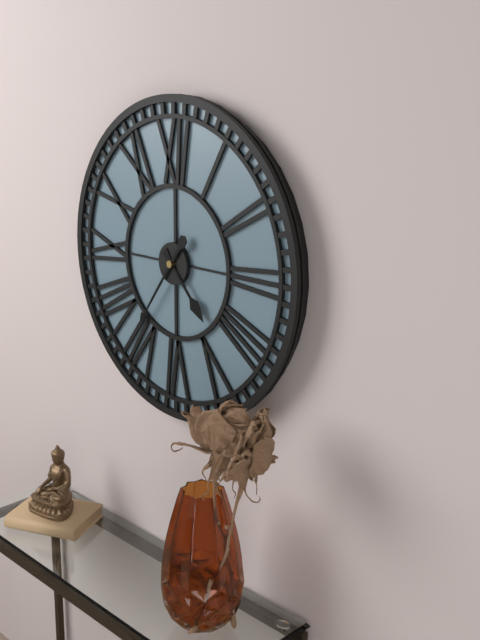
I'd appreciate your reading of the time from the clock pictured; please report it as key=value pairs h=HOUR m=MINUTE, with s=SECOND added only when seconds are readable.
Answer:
h=4 m=36
